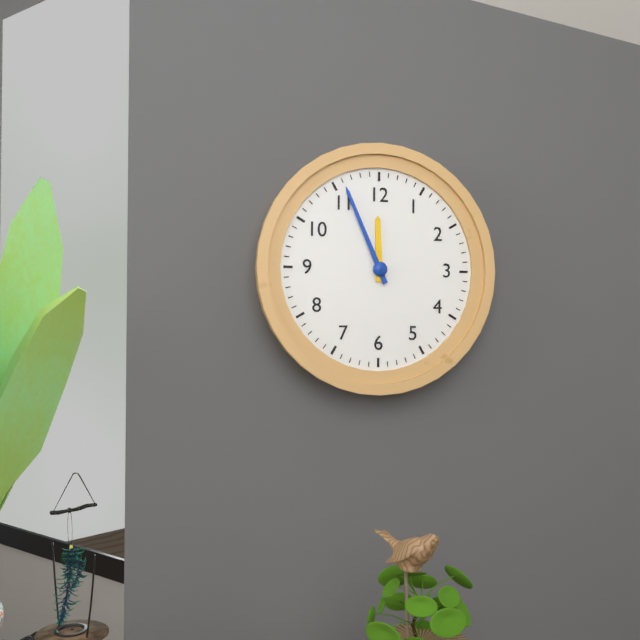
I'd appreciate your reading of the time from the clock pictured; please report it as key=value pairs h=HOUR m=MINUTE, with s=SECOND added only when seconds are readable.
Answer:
h=11 m=56
